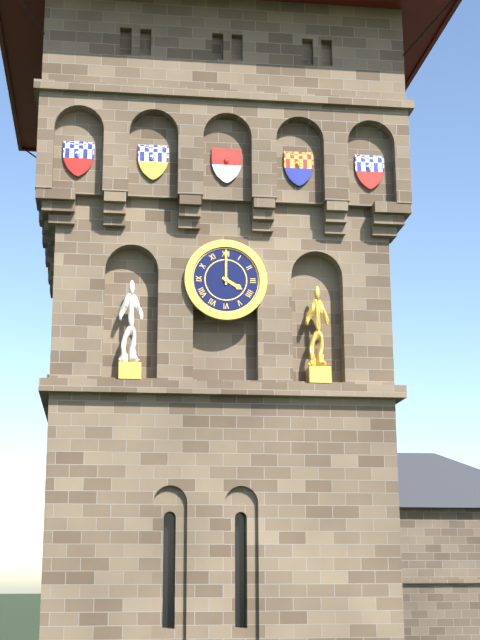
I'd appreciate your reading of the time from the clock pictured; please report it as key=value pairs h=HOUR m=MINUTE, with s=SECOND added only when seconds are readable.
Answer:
h=4 m=0
